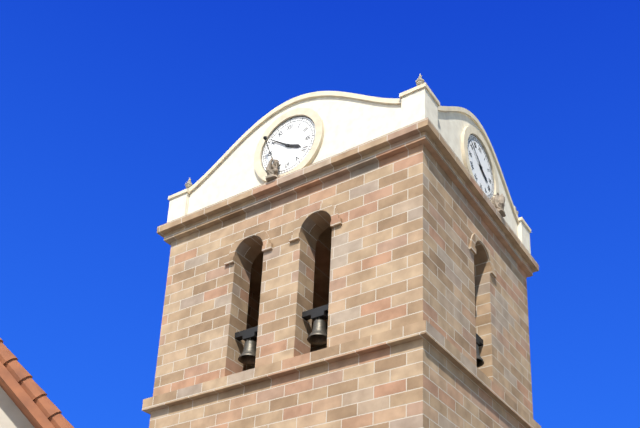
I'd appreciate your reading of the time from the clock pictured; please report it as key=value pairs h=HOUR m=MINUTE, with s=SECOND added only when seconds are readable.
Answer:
h=3 m=51
